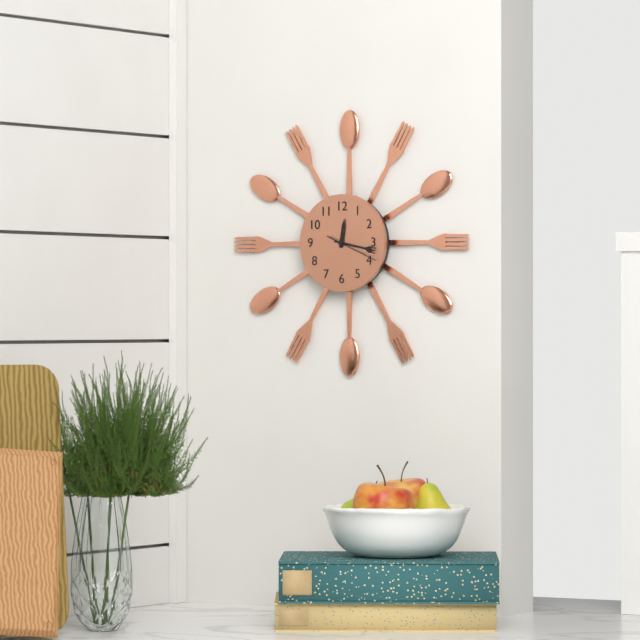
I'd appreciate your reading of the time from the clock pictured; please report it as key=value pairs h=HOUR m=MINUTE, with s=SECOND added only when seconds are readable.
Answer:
h=12 m=17
